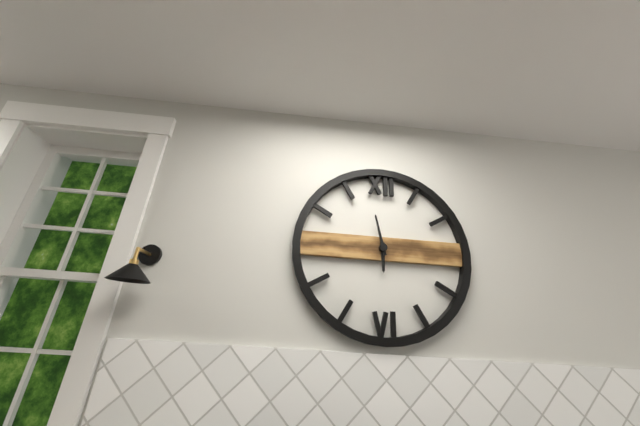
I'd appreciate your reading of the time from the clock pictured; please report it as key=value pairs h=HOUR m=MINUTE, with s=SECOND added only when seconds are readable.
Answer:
h=5 m=58
